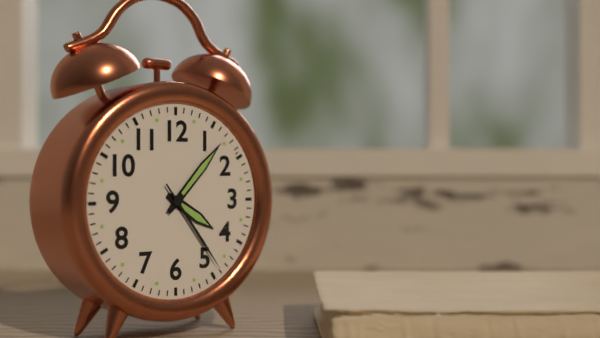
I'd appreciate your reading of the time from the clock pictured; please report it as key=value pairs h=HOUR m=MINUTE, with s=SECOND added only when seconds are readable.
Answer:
h=4 m=7 s=24
